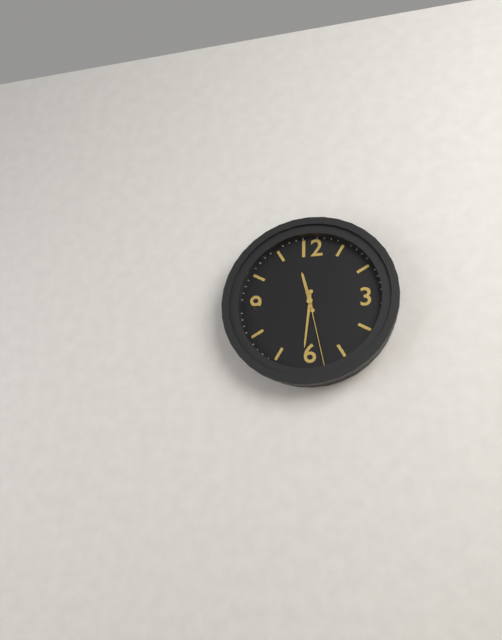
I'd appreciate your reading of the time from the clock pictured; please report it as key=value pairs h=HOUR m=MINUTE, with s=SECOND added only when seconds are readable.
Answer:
h=11 m=31 s=28
